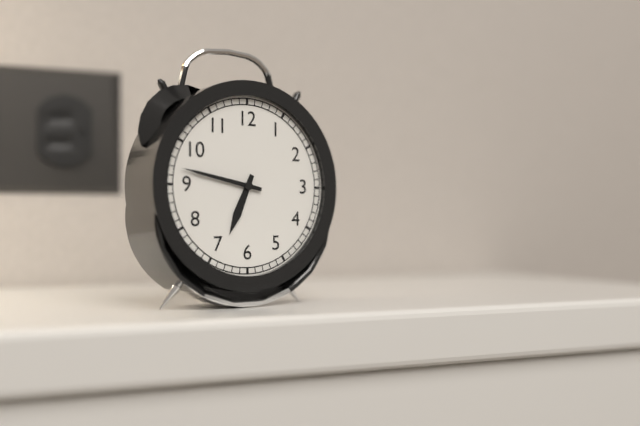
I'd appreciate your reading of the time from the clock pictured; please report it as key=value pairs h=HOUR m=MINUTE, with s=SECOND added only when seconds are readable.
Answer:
h=6 m=47
